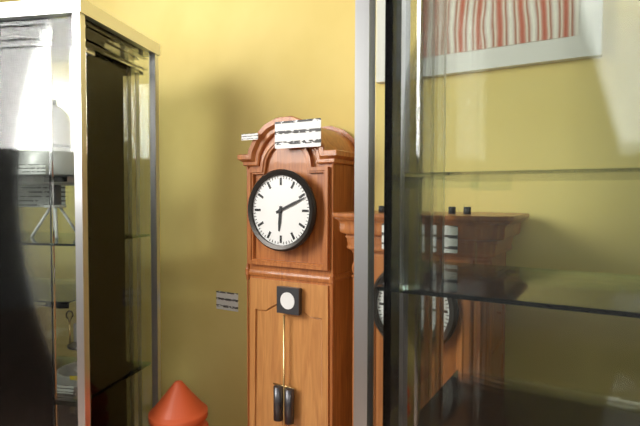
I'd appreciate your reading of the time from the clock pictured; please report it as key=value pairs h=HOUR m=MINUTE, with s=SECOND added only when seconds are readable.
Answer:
h=6 m=11
